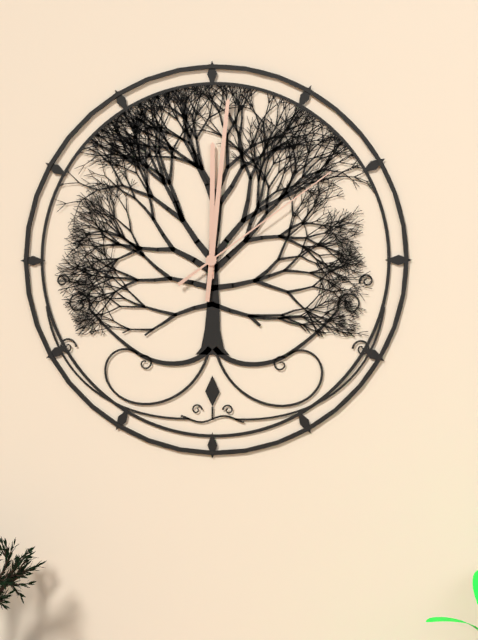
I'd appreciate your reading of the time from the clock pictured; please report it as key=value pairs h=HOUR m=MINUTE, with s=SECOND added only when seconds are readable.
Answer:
h=12 m=1 s=9
